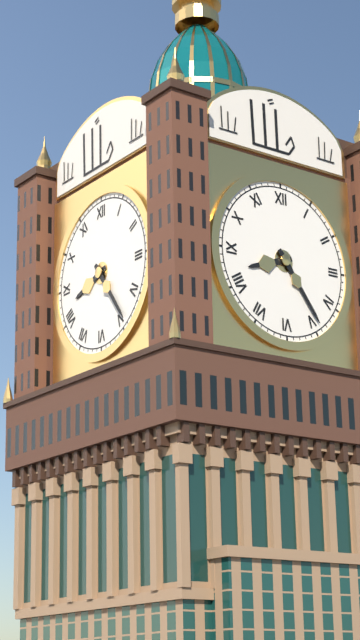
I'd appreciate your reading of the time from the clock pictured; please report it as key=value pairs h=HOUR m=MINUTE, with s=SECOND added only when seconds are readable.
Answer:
h=8 m=24
